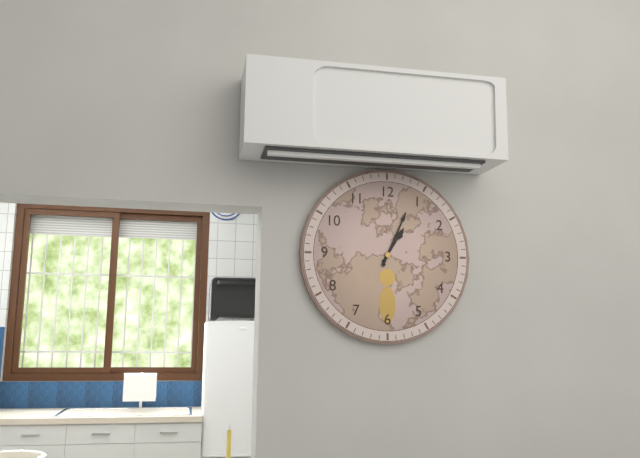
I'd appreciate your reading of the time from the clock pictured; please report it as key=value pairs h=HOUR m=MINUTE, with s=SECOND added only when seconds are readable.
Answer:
h=1 m=4
